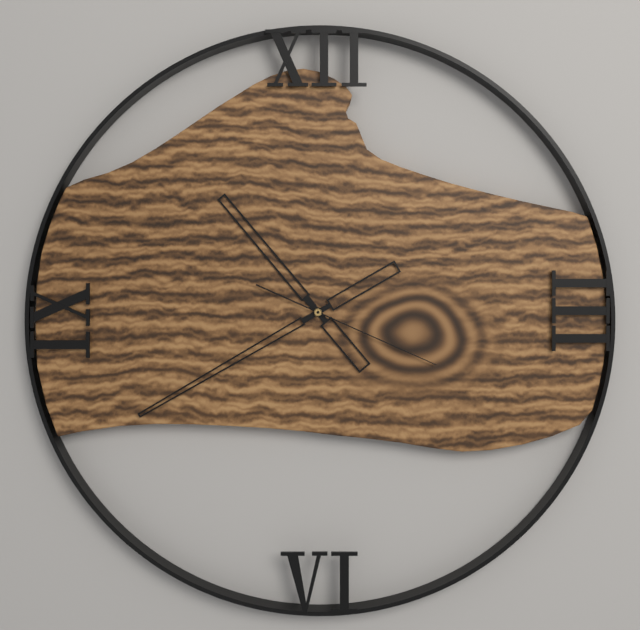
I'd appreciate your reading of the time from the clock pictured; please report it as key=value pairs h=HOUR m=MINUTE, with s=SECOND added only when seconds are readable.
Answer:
h=10 m=40 s=19
